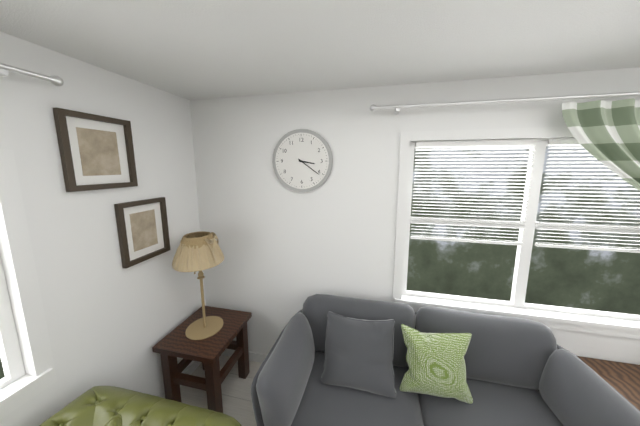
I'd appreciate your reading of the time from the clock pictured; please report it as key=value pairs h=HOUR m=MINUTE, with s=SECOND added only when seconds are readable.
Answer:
h=3 m=21
